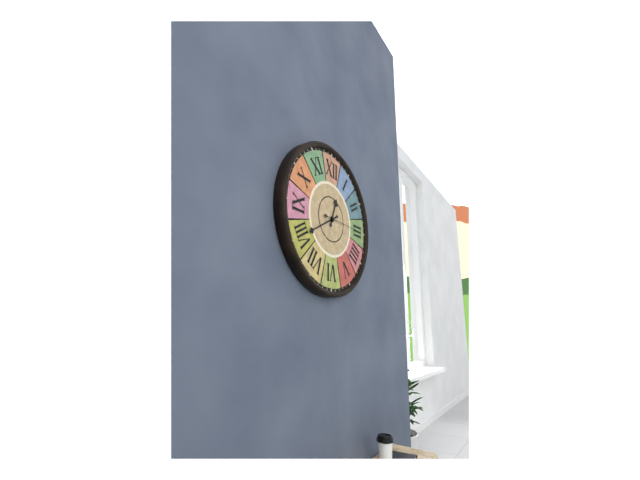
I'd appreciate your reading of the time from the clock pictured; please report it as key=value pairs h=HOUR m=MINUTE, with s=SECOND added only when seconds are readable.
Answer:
h=12 m=40
